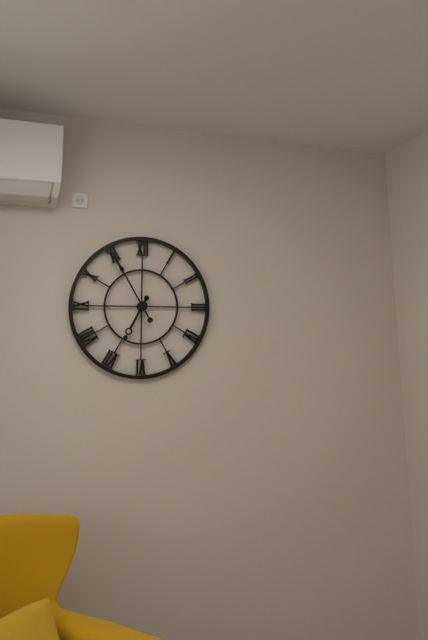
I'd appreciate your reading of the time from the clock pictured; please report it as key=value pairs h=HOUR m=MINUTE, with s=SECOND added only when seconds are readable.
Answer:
h=6 m=55
